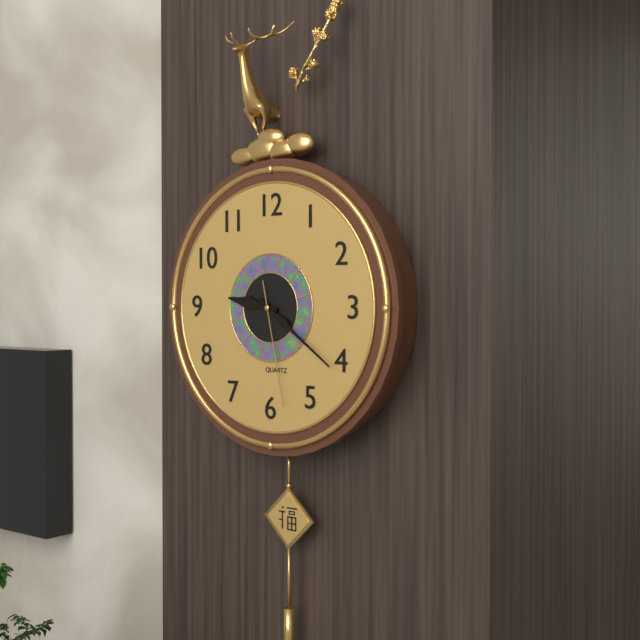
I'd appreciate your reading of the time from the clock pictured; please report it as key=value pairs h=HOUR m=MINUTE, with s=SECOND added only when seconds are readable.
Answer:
h=9 m=21 s=28
